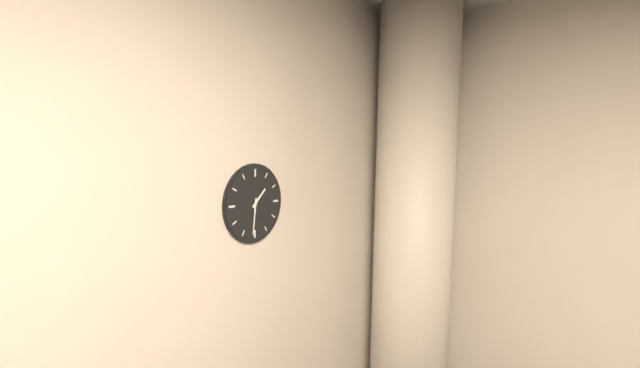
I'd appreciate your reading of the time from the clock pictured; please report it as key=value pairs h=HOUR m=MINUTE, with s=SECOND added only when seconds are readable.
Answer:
h=1 m=31
